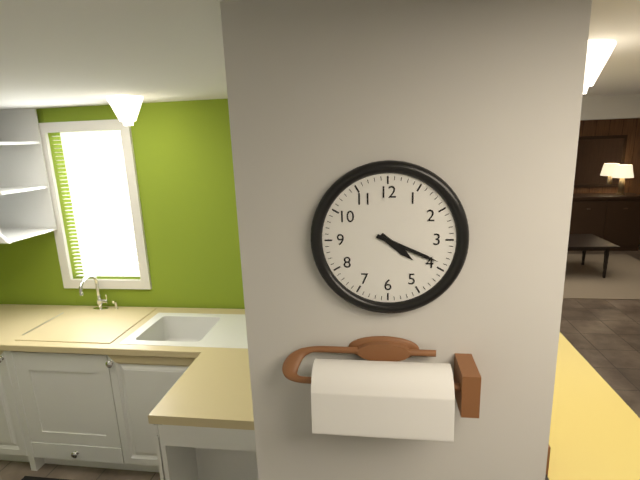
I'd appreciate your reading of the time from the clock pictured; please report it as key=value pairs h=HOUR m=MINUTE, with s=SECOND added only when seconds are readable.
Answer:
h=4 m=19
